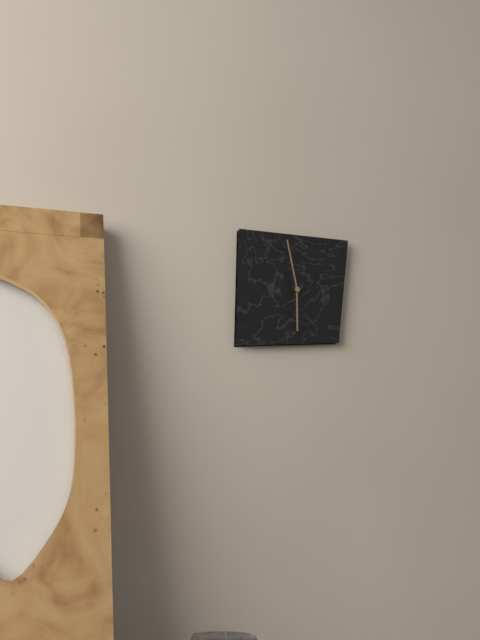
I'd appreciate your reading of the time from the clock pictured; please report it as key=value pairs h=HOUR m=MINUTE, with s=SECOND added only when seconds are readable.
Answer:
h=5 m=58
